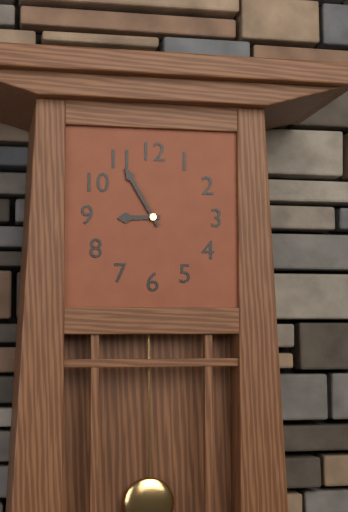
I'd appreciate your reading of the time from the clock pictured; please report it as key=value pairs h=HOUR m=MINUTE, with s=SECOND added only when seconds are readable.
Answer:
h=8 m=55
